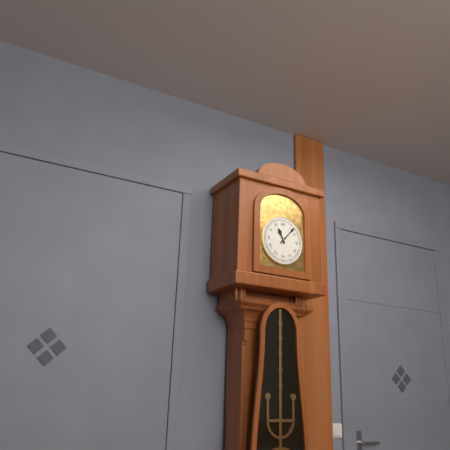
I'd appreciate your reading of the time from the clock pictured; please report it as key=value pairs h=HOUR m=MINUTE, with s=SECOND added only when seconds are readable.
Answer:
h=11 m=7
